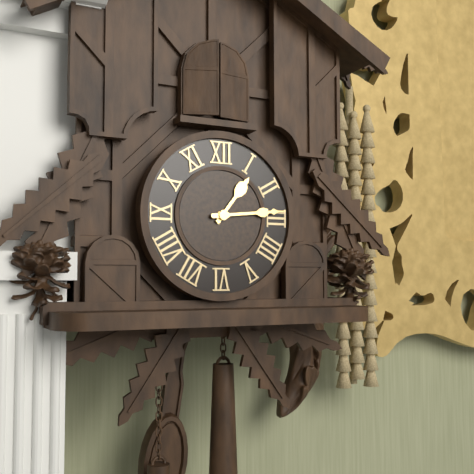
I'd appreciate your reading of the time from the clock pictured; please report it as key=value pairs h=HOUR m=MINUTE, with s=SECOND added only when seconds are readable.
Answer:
h=1 m=14
